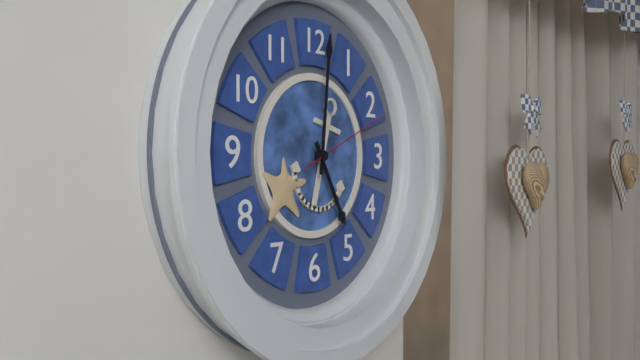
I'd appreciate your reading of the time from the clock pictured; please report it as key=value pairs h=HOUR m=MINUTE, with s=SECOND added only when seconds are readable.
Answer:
h=5 m=1 s=11
